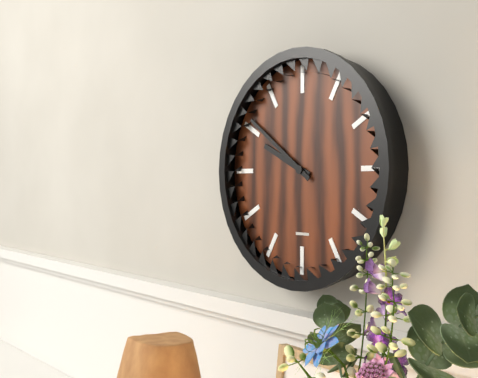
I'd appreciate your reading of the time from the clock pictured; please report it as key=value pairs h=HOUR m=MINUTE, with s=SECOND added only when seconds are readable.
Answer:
h=9 m=51
